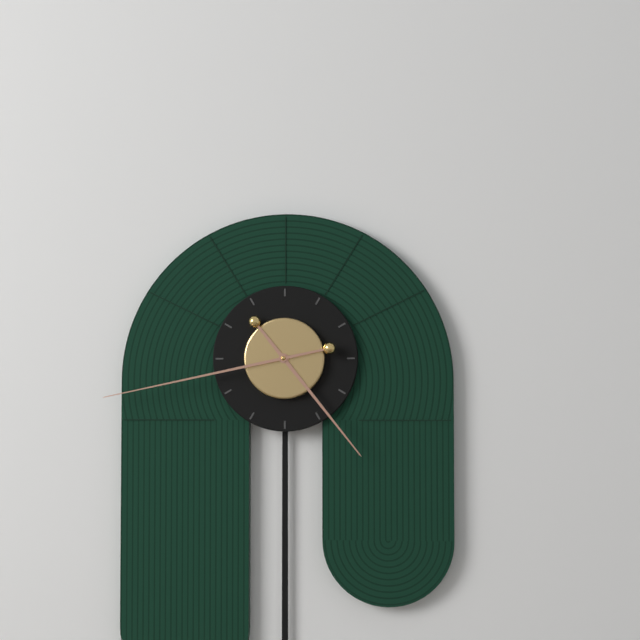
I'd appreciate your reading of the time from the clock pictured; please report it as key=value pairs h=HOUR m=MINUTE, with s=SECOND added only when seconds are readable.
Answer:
h=4 m=43
